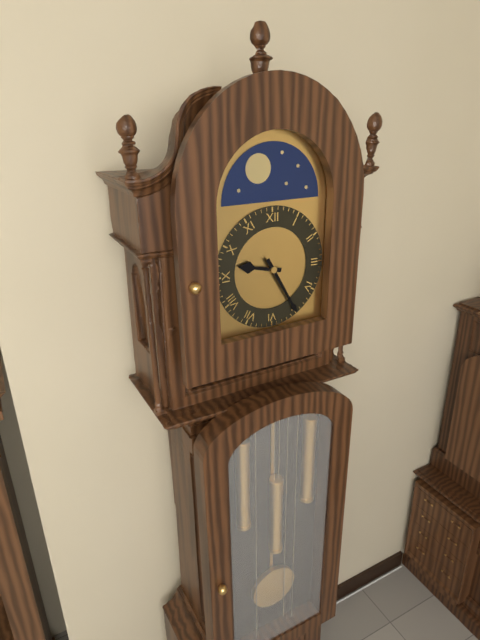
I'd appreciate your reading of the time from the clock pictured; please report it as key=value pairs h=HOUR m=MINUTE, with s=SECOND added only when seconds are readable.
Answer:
h=9 m=25
